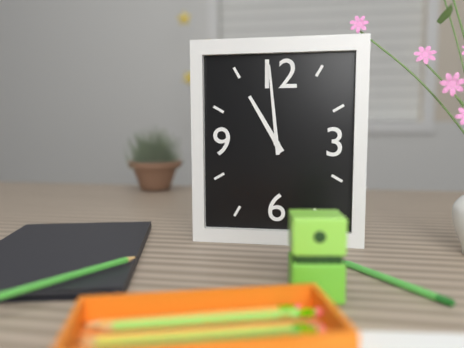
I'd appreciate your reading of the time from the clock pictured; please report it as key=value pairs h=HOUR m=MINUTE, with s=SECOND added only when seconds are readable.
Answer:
h=10 m=59
